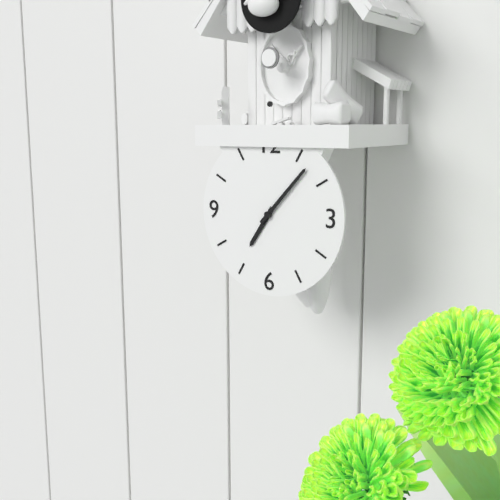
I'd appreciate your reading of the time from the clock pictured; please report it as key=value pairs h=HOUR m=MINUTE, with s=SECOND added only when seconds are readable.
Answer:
h=7 m=7
